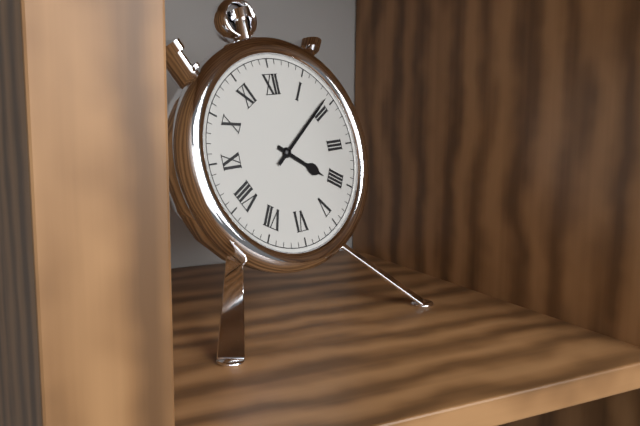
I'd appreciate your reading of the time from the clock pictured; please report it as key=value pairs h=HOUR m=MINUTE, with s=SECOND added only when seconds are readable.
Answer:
h=4 m=9
